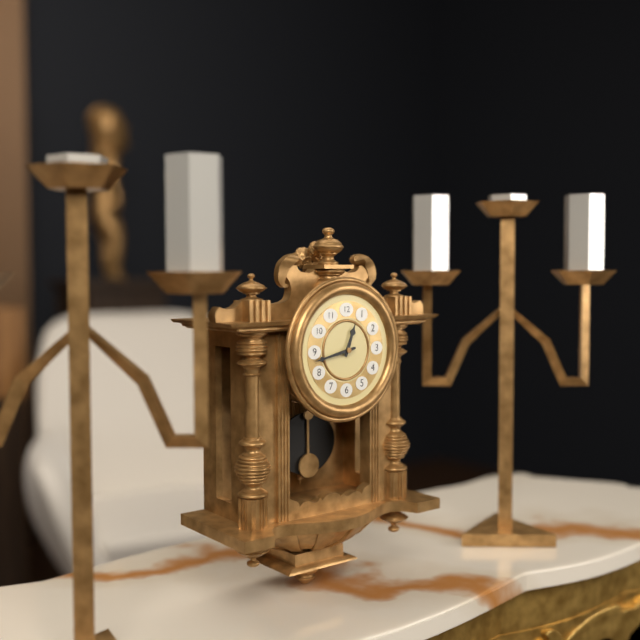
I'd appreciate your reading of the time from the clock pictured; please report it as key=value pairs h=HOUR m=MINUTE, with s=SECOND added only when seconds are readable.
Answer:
h=12 m=43
